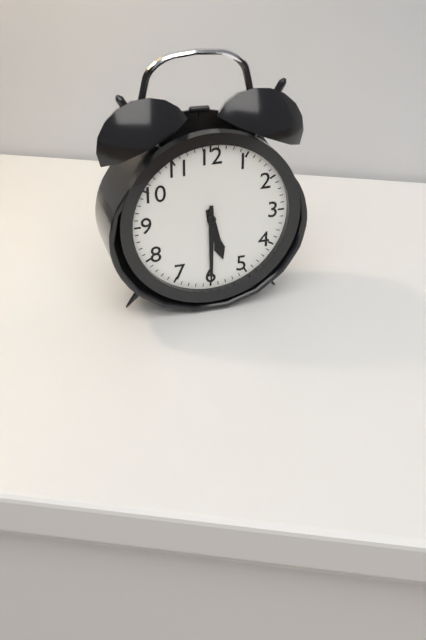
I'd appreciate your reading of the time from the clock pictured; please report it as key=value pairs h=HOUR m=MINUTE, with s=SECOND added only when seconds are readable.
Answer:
h=5 m=30
